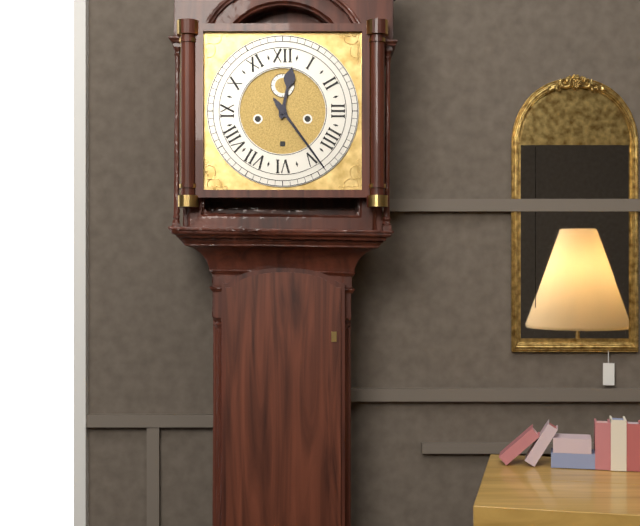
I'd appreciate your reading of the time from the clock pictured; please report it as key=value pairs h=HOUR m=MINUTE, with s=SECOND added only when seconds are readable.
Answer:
h=12 m=24
